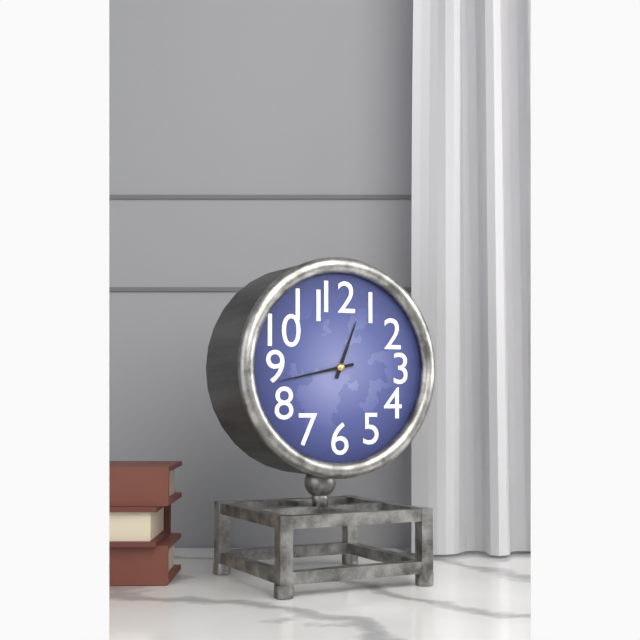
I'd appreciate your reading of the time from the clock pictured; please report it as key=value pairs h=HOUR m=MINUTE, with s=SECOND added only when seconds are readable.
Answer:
h=12 m=43
